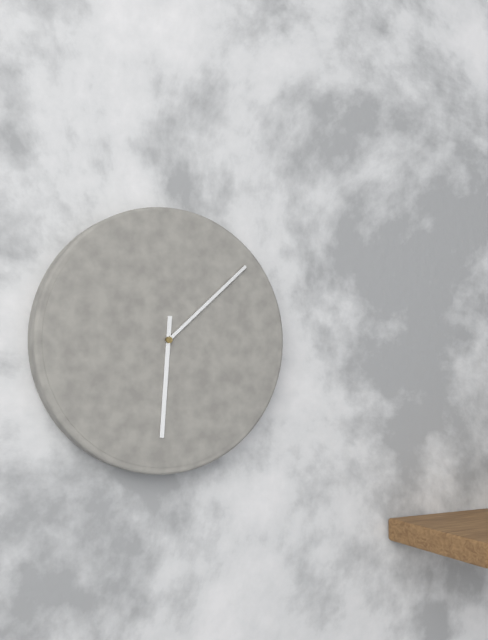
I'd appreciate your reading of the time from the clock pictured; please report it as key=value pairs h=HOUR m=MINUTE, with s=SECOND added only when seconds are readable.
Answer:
h=6 m=8
